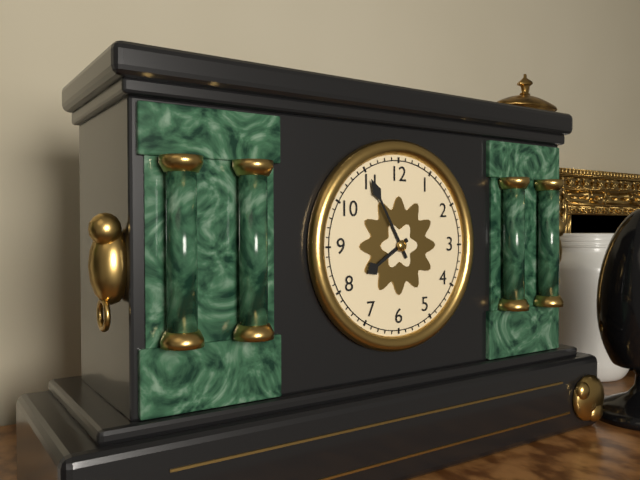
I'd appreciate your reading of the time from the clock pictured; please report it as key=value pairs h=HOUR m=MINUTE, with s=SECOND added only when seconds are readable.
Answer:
h=7 m=55
